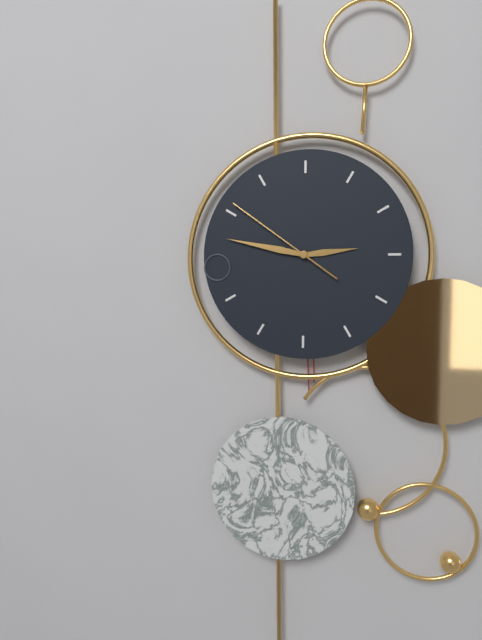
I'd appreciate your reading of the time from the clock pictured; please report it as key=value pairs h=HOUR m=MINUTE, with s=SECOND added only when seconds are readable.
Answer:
h=2 m=47 s=51
